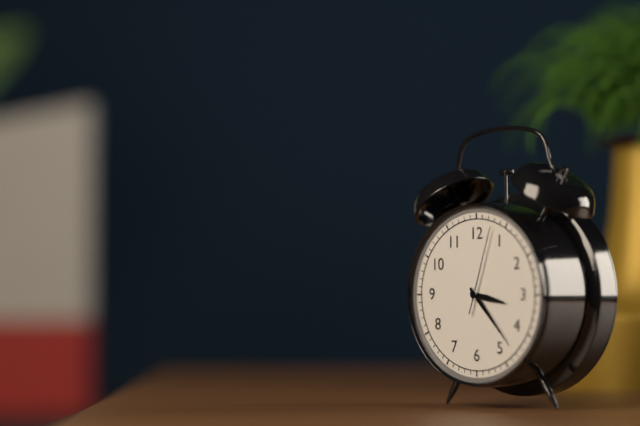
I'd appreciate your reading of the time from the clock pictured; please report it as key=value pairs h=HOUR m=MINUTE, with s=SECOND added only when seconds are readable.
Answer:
h=3 m=23 s=3
